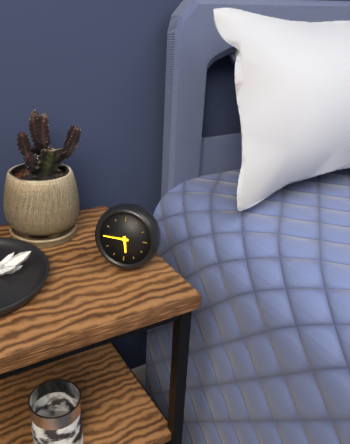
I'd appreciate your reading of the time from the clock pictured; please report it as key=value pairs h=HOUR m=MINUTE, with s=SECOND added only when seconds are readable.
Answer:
h=5 m=45
